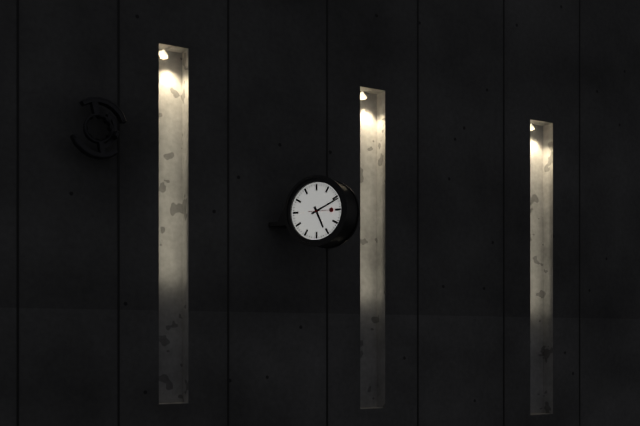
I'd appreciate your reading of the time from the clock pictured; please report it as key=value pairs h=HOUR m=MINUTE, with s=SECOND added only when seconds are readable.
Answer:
h=5 m=11
